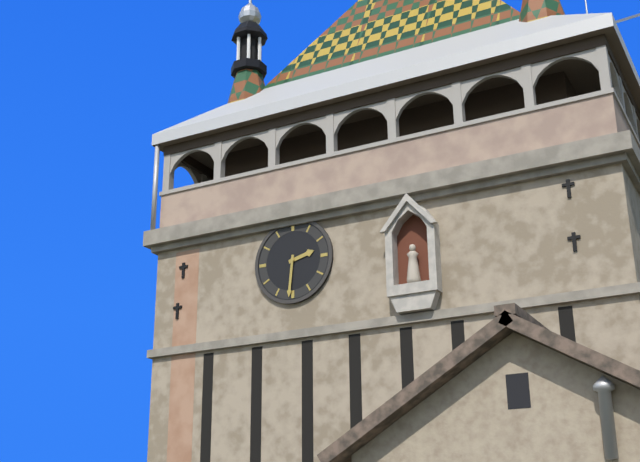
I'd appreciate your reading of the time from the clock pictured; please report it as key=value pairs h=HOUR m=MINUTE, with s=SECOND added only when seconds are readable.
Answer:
h=2 m=31
